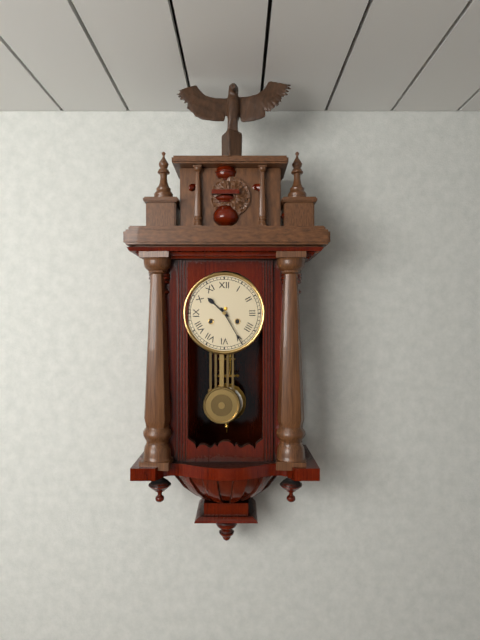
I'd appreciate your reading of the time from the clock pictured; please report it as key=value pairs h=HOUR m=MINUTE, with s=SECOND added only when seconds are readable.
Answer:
h=10 m=25
